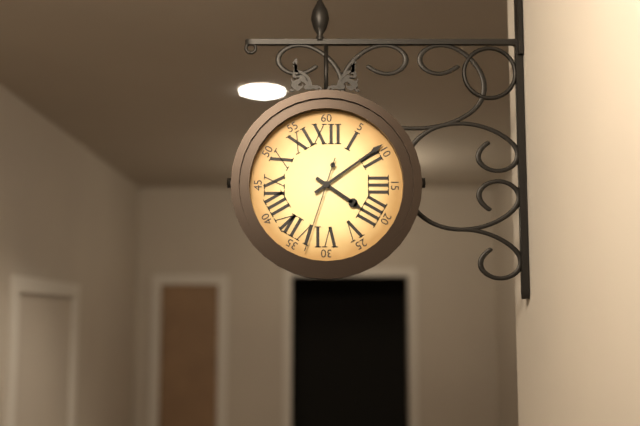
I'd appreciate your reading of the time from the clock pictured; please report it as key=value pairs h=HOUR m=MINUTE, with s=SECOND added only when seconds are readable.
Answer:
h=4 m=9 s=33
